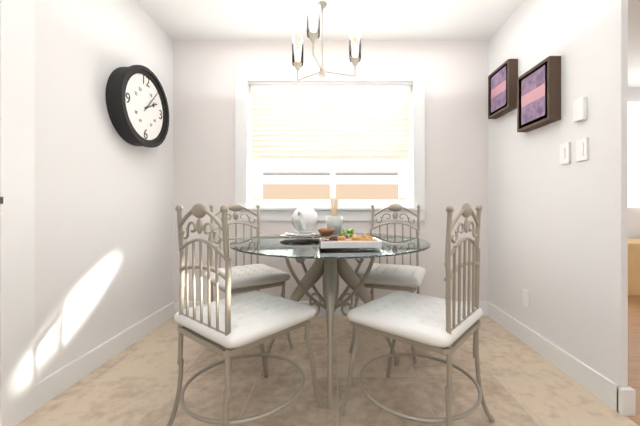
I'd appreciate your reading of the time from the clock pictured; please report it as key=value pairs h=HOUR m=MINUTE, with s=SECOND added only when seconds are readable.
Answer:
h=2 m=7
